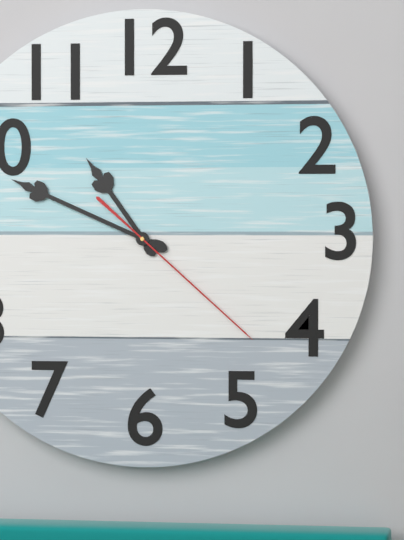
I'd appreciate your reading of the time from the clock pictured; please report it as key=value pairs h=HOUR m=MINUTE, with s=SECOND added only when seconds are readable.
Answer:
h=10 m=49 s=22
